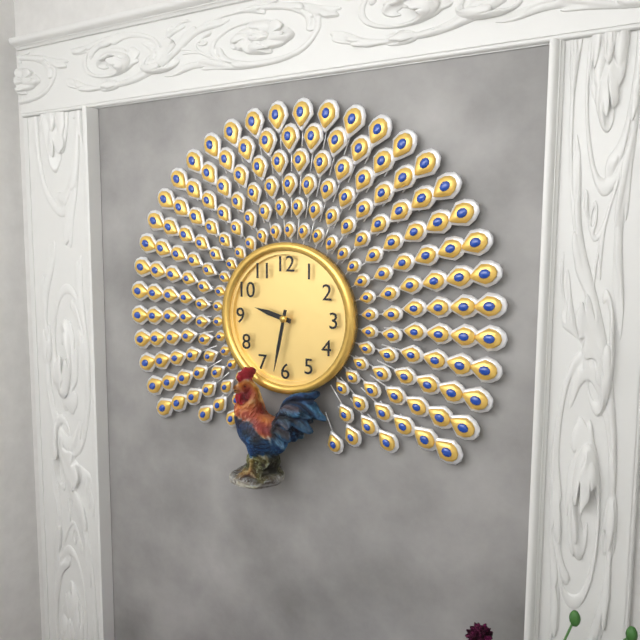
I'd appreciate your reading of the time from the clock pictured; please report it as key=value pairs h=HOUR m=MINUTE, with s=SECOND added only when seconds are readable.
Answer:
h=9 m=32
